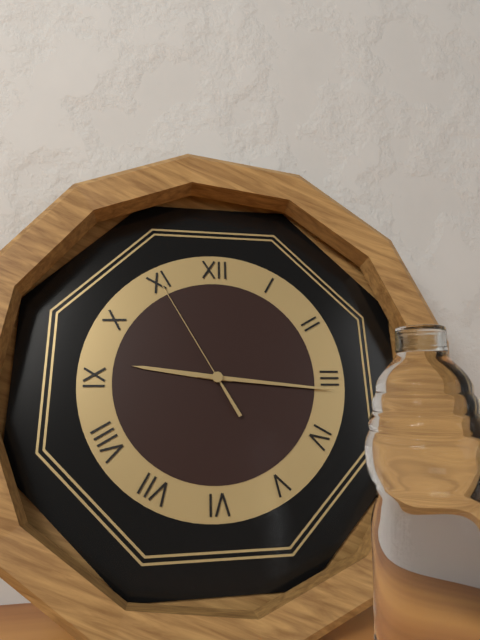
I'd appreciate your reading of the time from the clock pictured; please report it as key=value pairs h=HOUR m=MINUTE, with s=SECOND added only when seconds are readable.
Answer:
h=9 m=16 s=55
